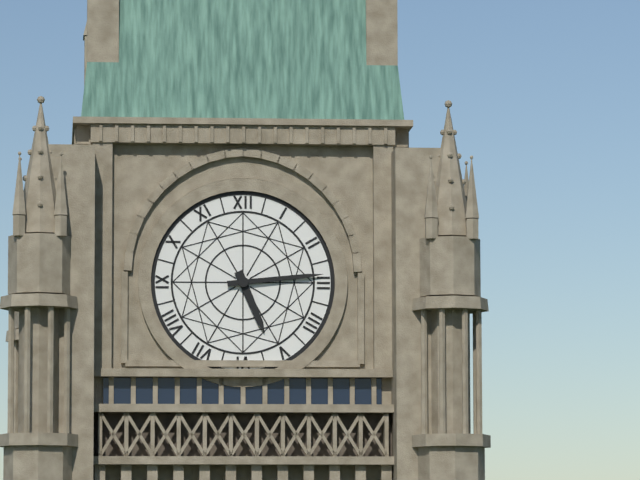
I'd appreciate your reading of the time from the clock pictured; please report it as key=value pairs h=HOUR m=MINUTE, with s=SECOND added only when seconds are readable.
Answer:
h=5 m=14
